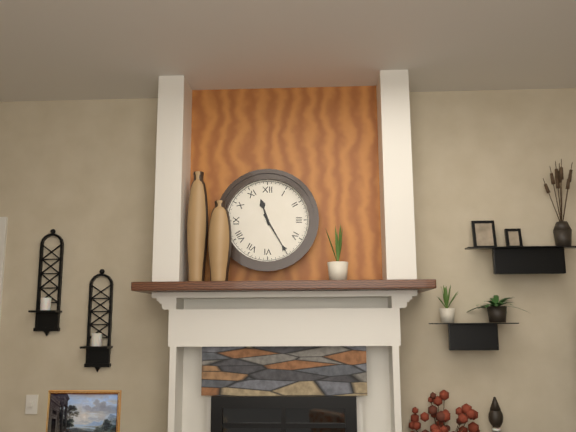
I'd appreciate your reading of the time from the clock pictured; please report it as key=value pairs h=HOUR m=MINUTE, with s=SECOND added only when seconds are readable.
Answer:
h=11 m=25
